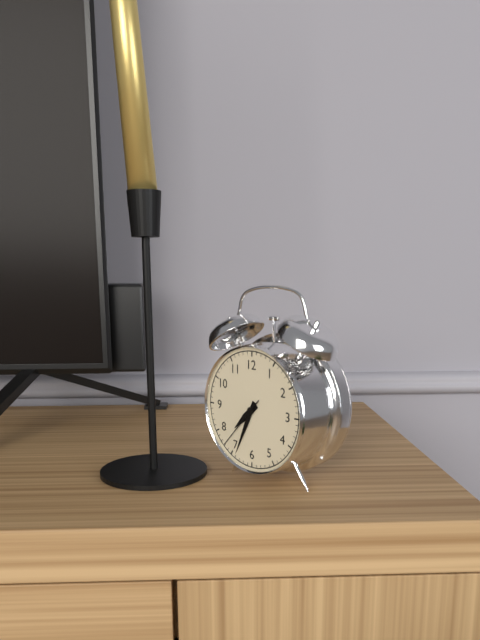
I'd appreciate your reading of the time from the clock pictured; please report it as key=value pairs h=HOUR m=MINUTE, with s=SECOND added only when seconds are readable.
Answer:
h=7 m=34 s=37
